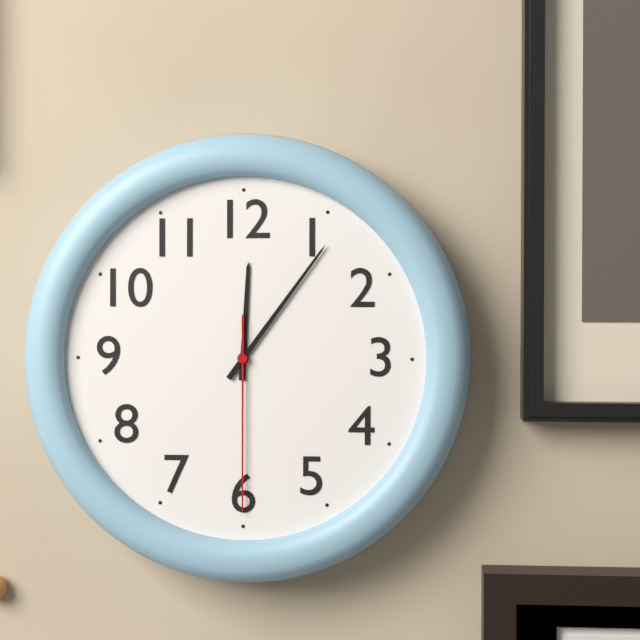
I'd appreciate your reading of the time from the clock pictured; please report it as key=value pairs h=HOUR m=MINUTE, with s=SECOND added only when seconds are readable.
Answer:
h=12 m=6 s=30
